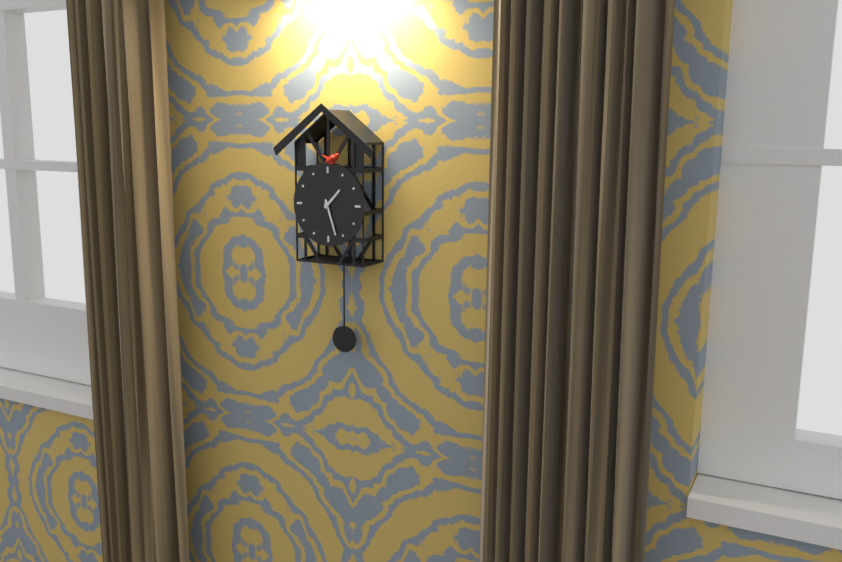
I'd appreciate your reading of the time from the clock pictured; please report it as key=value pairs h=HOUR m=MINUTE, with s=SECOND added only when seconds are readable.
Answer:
h=1 m=27
